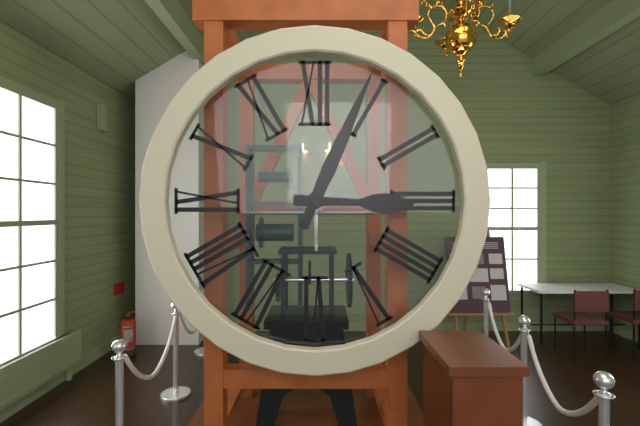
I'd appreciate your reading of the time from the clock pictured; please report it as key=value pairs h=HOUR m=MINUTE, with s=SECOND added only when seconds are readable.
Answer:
h=3 m=4
